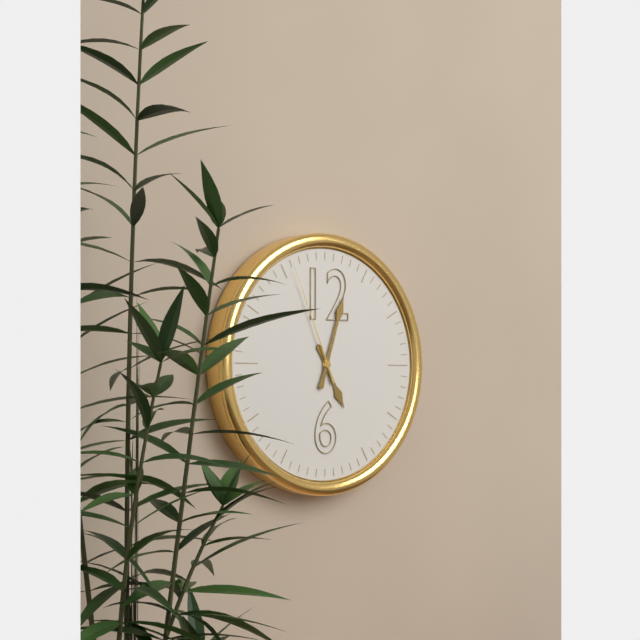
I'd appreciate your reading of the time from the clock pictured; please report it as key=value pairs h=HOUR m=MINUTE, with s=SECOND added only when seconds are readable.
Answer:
h=5 m=3 s=56
